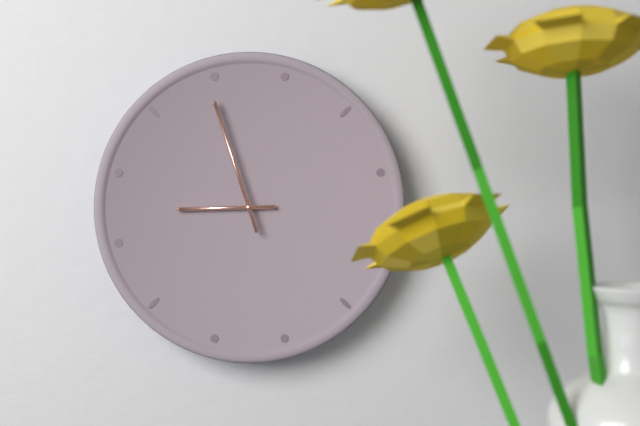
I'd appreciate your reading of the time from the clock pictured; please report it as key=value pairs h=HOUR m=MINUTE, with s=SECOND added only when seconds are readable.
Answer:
h=8 m=57
